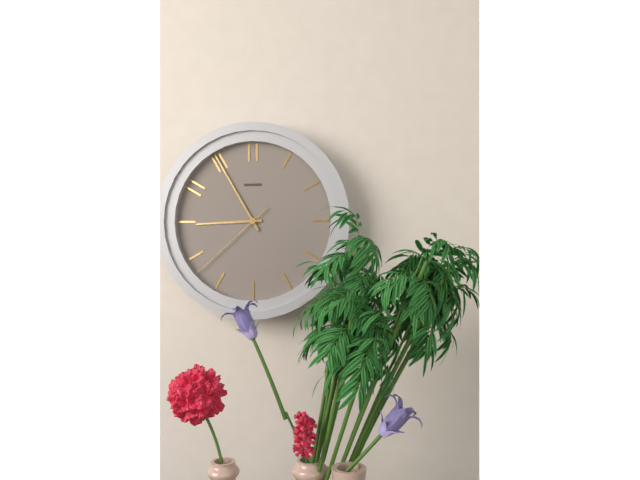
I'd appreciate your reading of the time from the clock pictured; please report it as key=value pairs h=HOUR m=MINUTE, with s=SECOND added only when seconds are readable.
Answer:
h=8 m=55 s=38
